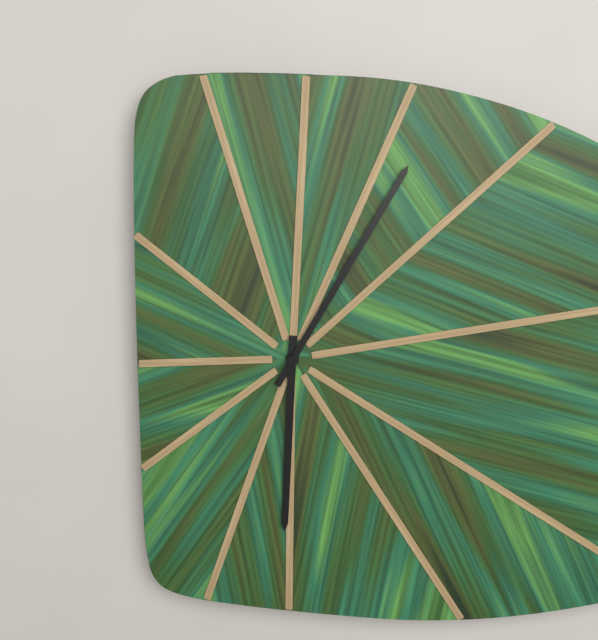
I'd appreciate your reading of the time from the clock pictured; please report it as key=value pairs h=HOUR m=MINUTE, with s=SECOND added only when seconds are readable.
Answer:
h=6 m=5
